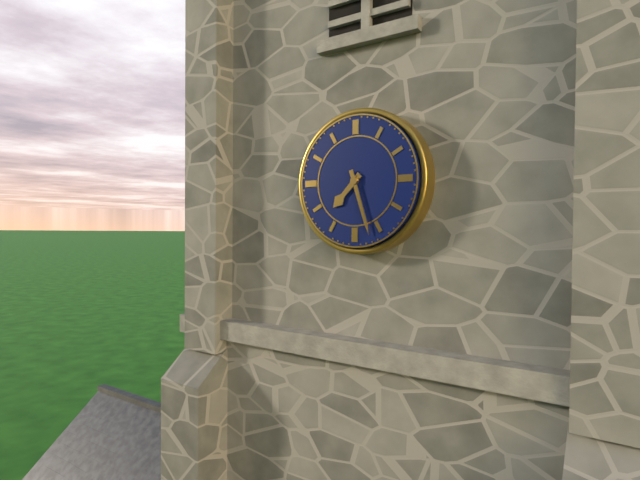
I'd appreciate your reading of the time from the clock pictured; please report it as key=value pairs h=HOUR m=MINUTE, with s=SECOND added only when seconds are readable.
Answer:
h=7 m=27
